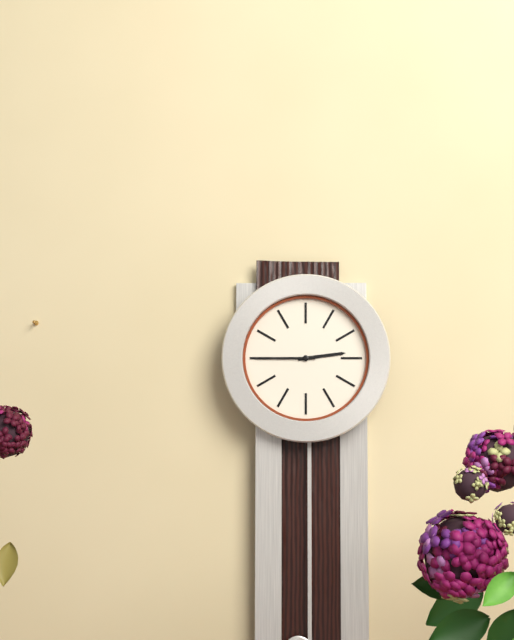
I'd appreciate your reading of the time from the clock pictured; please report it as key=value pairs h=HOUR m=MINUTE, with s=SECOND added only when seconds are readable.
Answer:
h=2 m=45
